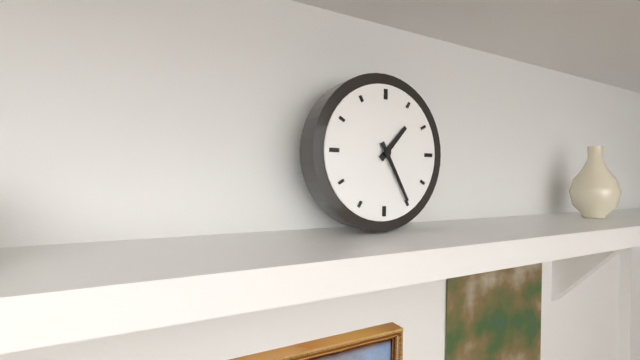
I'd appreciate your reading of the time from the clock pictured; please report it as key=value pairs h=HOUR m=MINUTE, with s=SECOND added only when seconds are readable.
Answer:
h=1 m=25
